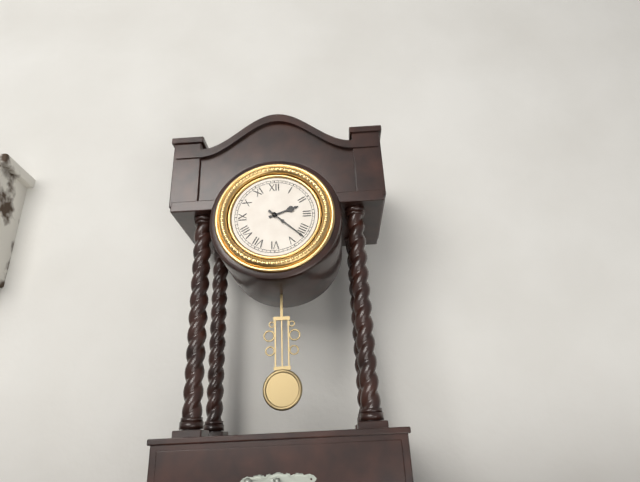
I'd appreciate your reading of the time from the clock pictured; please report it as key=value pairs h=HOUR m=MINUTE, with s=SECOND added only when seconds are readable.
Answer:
h=2 m=22
